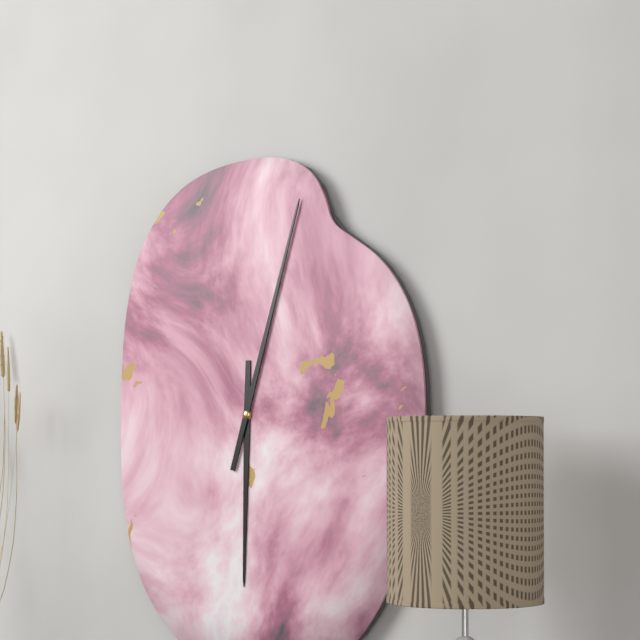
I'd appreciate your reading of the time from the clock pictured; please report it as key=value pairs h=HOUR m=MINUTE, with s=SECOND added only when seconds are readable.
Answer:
h=6 m=3
